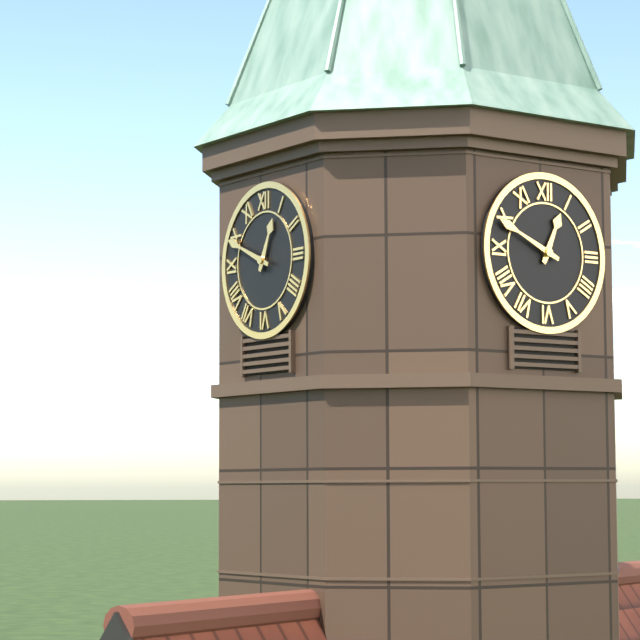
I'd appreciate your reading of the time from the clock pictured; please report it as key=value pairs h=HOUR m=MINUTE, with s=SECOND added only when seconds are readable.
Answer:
h=12 m=49
